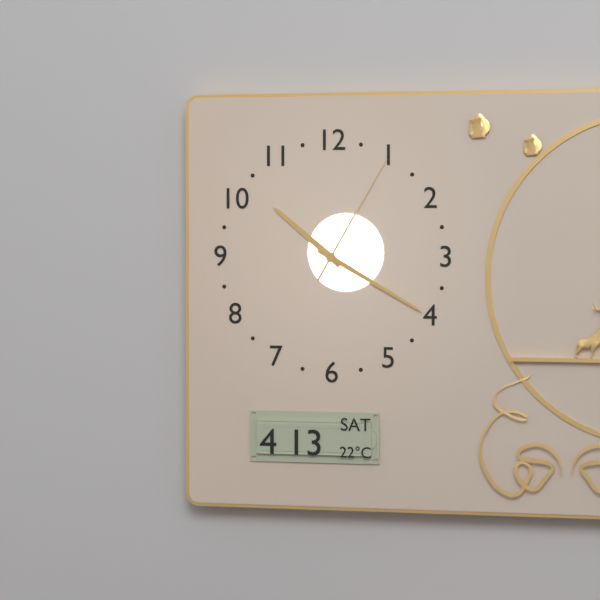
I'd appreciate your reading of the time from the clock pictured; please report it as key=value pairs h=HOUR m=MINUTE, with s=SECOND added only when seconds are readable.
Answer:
h=10 m=20 s=5
